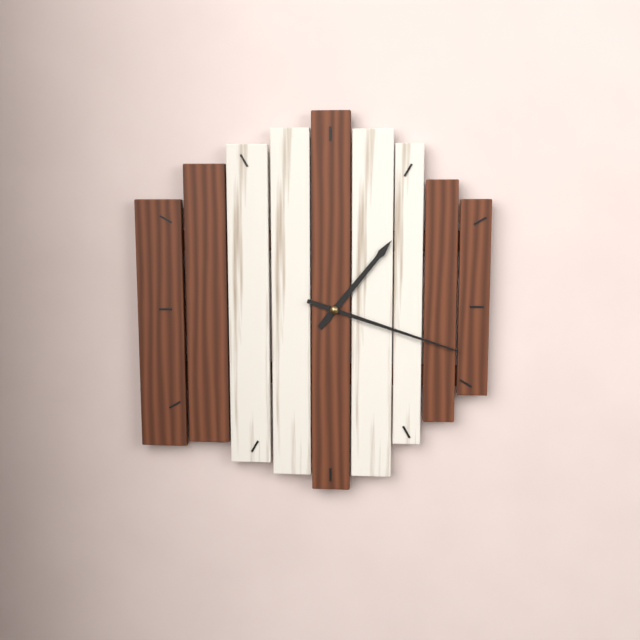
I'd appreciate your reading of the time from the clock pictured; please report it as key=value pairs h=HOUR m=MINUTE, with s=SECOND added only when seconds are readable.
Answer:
h=1 m=18
